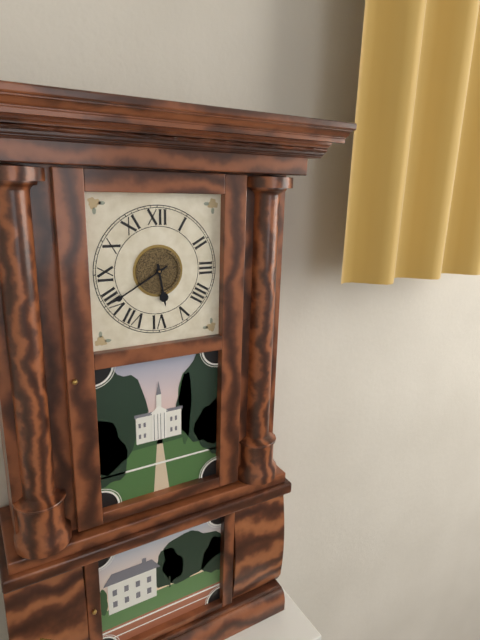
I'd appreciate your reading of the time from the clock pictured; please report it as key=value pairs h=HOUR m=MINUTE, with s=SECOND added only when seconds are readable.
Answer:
h=5 m=40
